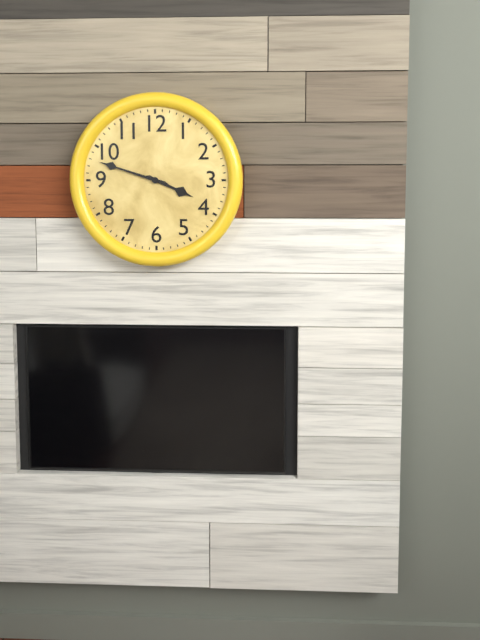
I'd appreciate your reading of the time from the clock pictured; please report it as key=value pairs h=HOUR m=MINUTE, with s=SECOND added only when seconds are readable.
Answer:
h=3 m=48
